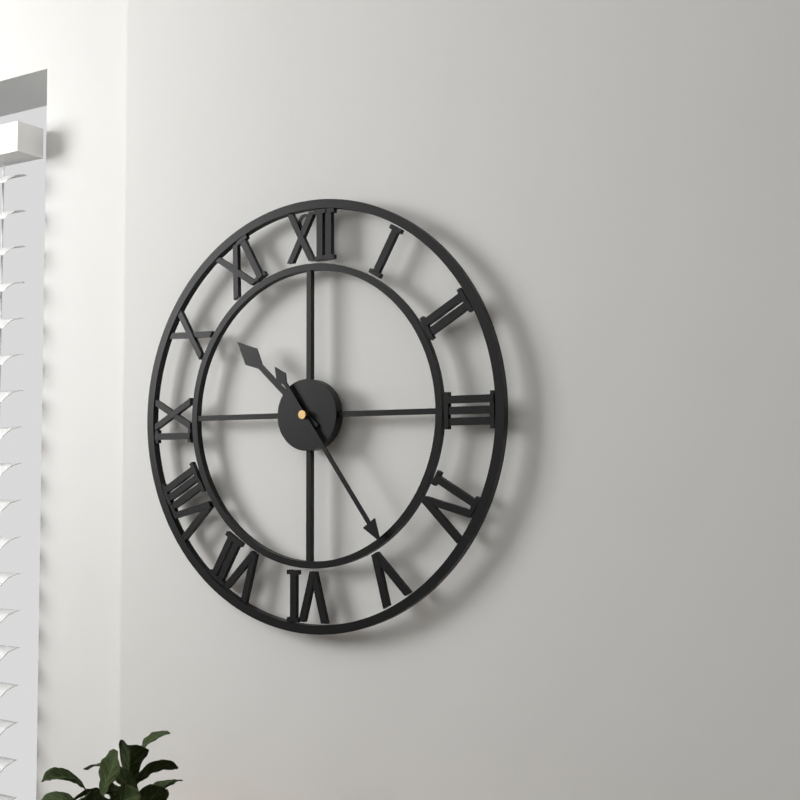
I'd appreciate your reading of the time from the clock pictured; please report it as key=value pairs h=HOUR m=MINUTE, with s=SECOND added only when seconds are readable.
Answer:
h=10 m=24
